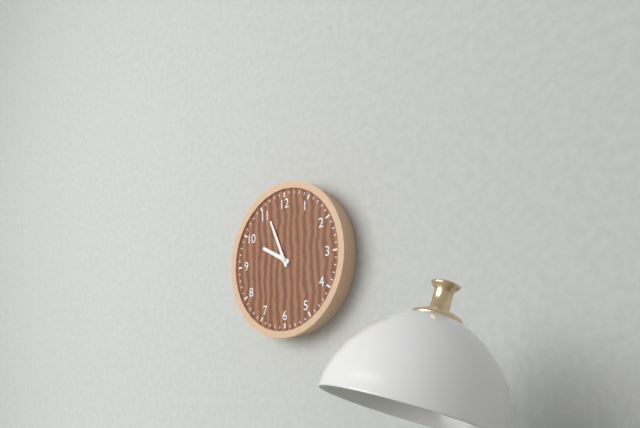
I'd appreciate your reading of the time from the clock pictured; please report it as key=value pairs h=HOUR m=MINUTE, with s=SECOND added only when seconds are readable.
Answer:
h=9 m=56
